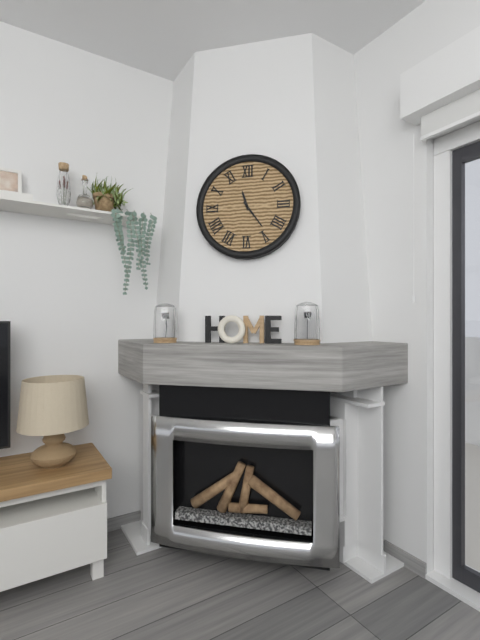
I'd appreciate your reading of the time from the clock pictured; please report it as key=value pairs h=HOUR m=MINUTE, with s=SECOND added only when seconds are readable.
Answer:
h=11 m=24
